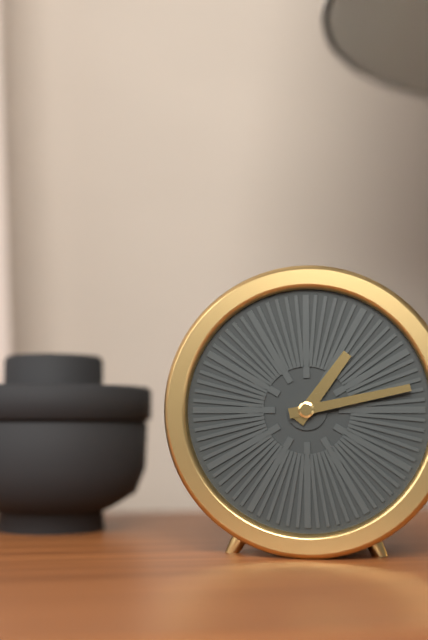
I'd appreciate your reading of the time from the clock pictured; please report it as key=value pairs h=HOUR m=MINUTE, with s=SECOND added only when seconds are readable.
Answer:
h=1 m=13
